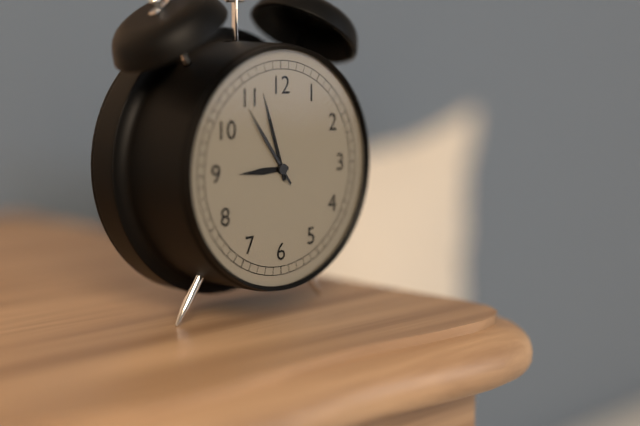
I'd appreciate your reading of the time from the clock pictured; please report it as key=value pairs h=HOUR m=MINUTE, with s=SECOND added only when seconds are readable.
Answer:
h=8 m=57 s=54
